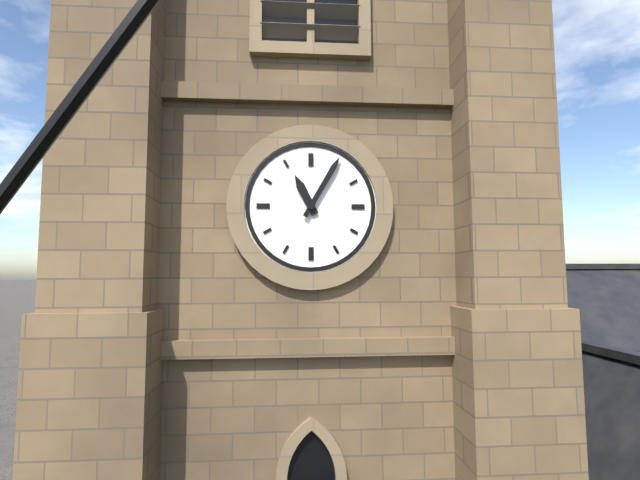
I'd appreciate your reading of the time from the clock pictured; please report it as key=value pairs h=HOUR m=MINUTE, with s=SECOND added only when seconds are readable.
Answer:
h=11 m=5
